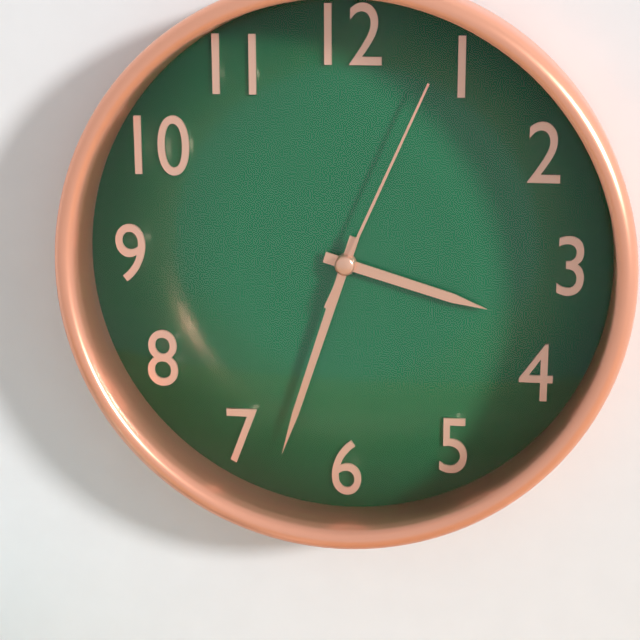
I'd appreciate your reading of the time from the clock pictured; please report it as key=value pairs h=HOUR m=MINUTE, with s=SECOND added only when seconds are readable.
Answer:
h=3 m=33 s=4
